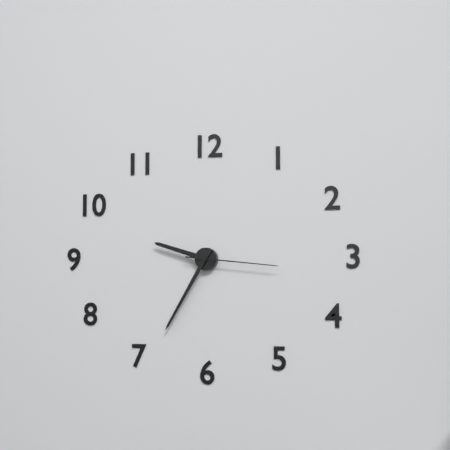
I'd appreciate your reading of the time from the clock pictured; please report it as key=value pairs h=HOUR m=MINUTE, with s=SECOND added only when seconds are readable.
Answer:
h=9 m=35 s=16
